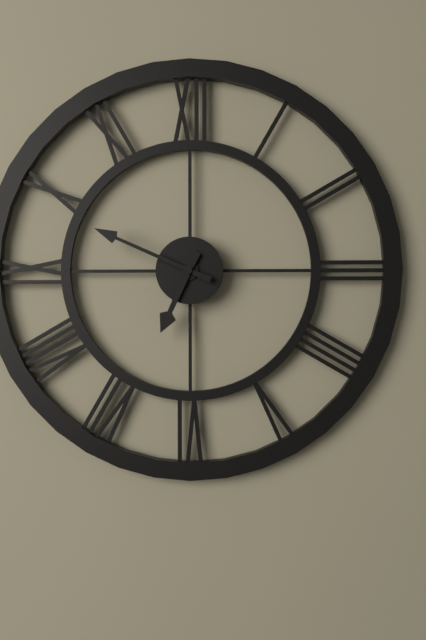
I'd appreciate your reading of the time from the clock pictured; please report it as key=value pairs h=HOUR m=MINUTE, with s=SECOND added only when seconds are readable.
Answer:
h=6 m=49
